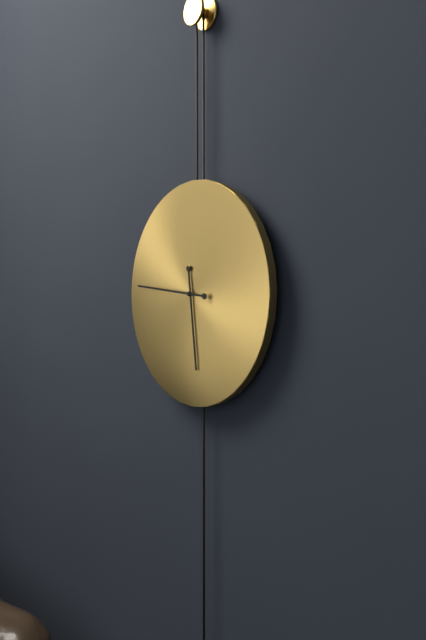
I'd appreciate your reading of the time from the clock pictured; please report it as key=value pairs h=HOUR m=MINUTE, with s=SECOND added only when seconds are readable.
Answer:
h=5 m=46
